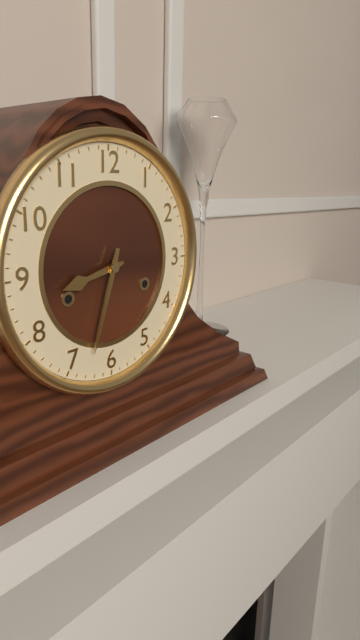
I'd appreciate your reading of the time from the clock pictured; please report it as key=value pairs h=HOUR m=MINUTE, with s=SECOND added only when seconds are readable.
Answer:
h=8 m=33
